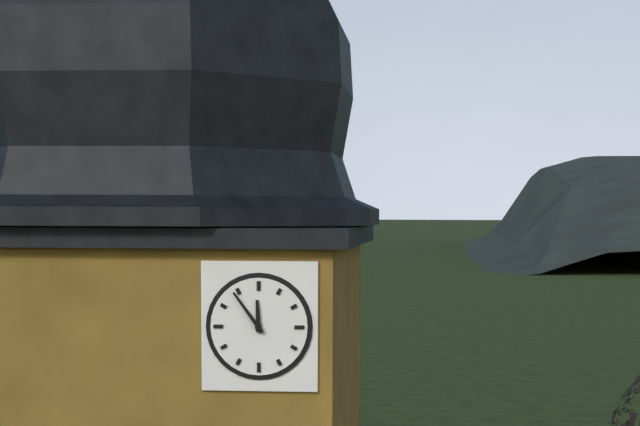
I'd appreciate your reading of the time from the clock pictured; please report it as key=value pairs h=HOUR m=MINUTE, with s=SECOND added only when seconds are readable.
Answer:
h=11 m=54
